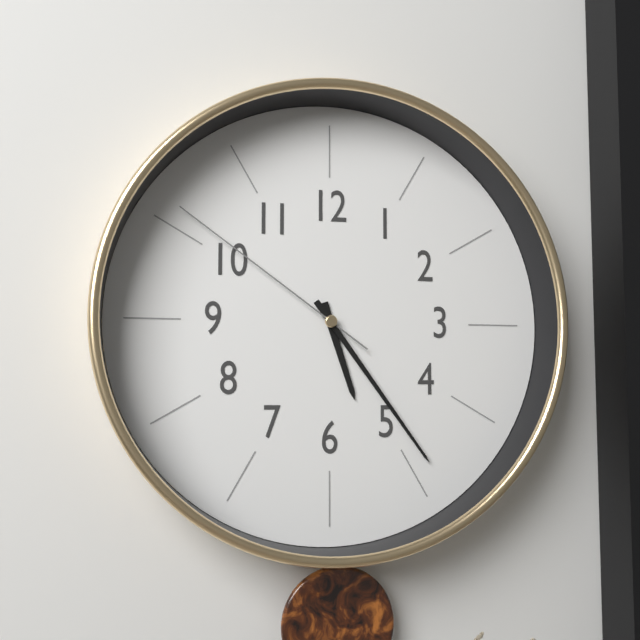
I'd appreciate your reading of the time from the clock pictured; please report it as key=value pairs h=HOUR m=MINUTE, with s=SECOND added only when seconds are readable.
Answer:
h=5 m=24 s=51
